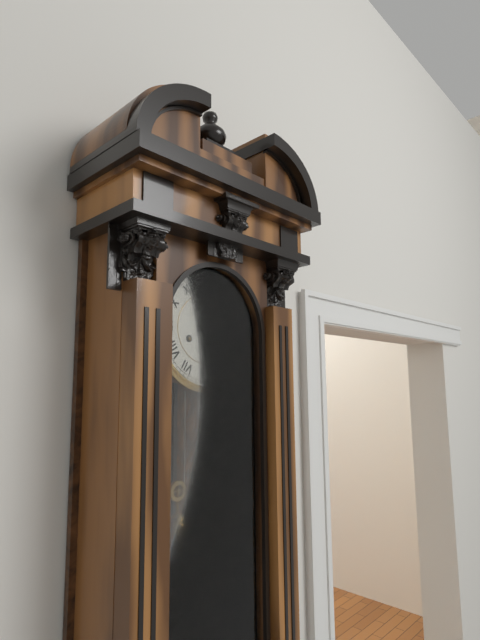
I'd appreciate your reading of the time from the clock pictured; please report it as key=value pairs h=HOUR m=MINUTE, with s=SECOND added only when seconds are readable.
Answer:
h=2 m=19
